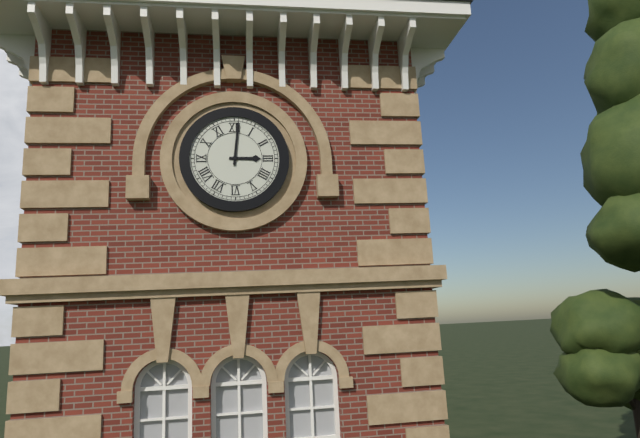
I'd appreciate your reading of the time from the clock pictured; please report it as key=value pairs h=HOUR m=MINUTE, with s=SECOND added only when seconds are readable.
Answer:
h=3 m=1
